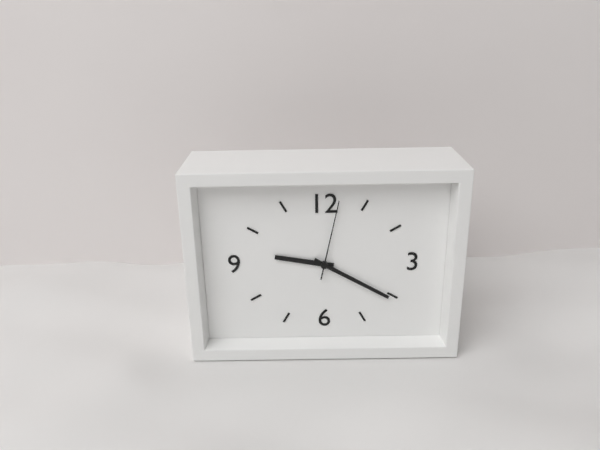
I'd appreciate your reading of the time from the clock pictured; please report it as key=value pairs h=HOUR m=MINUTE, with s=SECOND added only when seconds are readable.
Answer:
h=9 m=20 s=2
